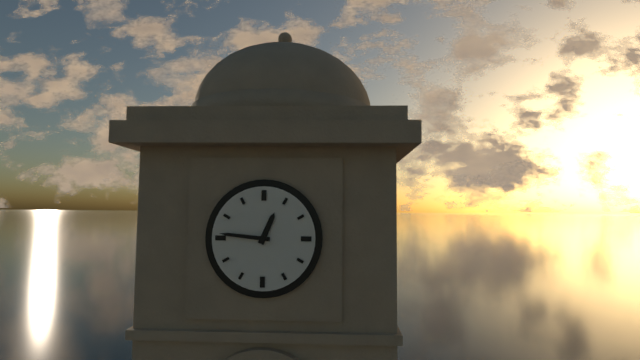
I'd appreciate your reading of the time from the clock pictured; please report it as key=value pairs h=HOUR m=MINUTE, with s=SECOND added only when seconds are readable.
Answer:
h=12 m=46
